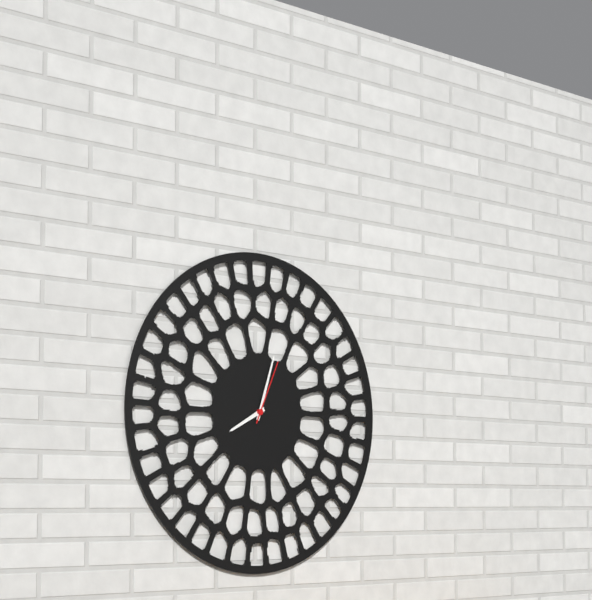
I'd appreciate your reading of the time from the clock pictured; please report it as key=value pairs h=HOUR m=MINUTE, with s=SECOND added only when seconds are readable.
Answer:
h=8 m=3 s=4
